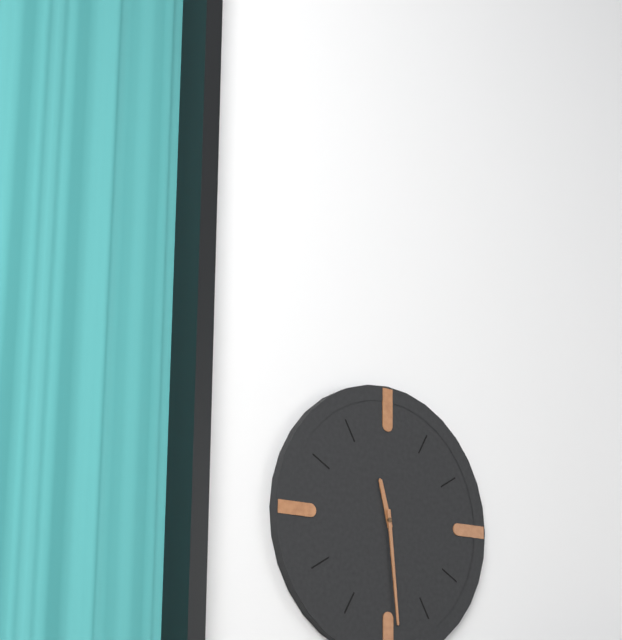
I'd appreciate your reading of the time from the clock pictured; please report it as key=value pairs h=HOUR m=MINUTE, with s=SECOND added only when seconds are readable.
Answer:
h=11 m=29
